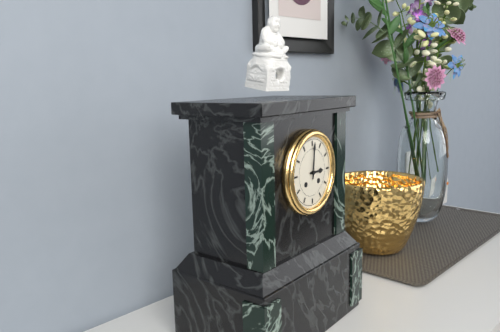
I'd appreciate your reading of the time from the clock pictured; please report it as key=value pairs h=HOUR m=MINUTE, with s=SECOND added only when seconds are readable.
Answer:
h=3 m=1
